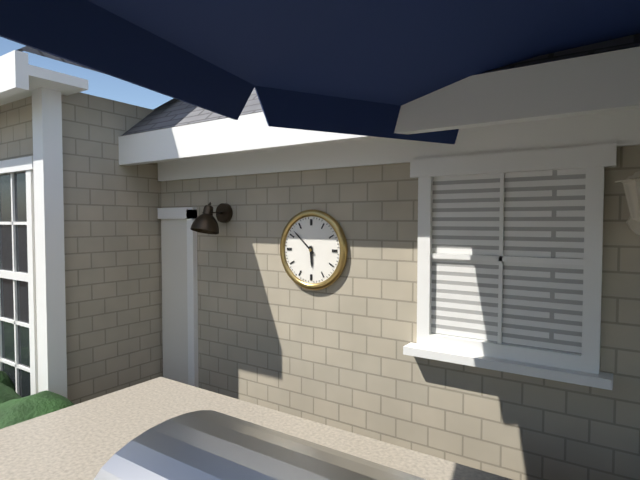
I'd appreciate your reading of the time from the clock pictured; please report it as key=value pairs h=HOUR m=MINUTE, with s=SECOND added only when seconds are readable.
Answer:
h=5 m=52
